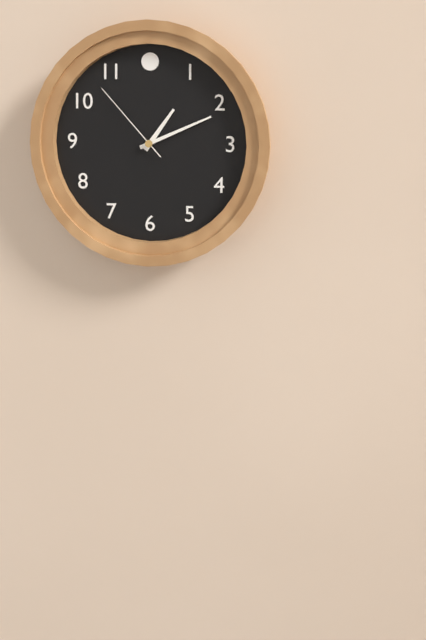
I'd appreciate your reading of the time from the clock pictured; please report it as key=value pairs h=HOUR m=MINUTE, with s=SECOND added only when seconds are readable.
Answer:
h=1 m=11 s=53
